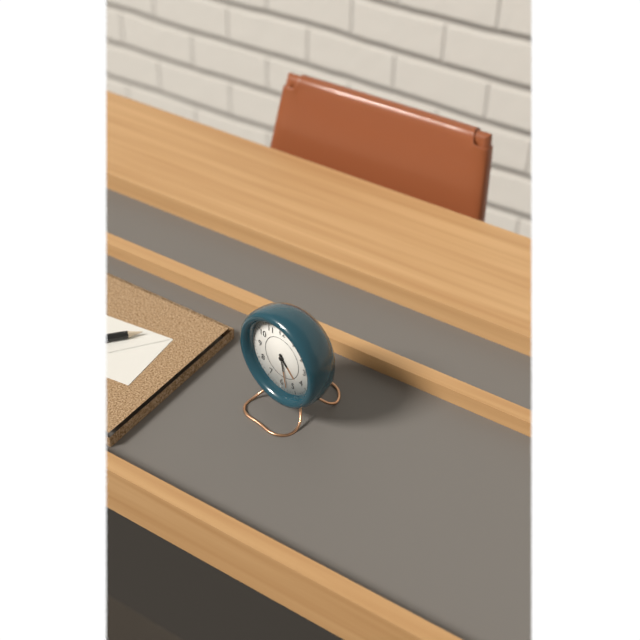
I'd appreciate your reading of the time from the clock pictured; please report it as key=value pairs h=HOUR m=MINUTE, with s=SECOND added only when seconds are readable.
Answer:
h=4 m=28
